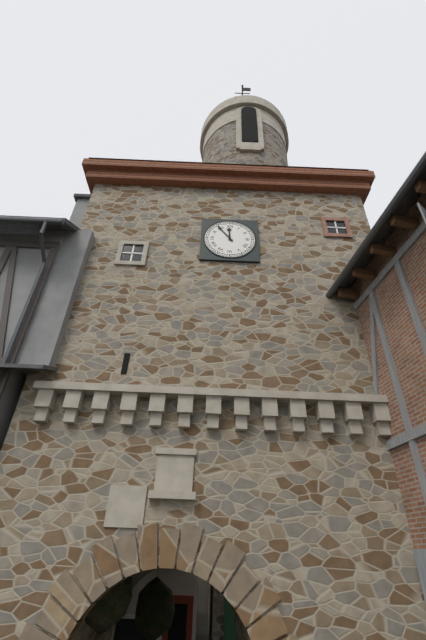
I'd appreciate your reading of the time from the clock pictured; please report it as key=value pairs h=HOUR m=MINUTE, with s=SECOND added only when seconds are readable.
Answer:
h=11 m=54
